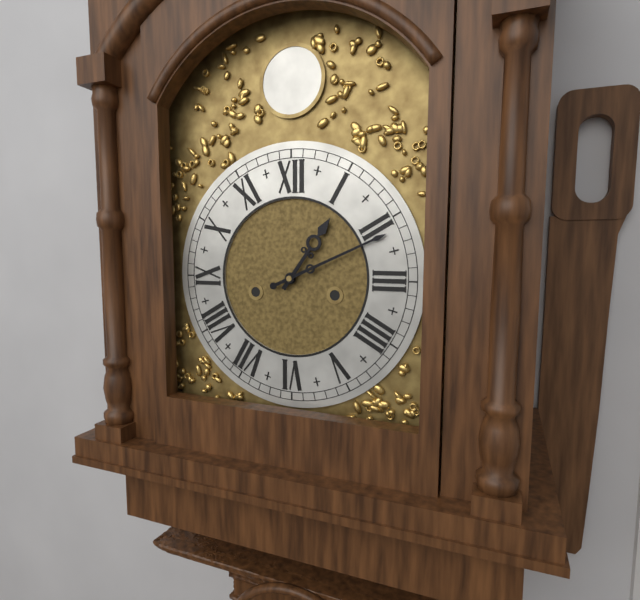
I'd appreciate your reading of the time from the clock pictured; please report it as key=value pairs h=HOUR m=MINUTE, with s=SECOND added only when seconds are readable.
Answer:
h=1 m=11
